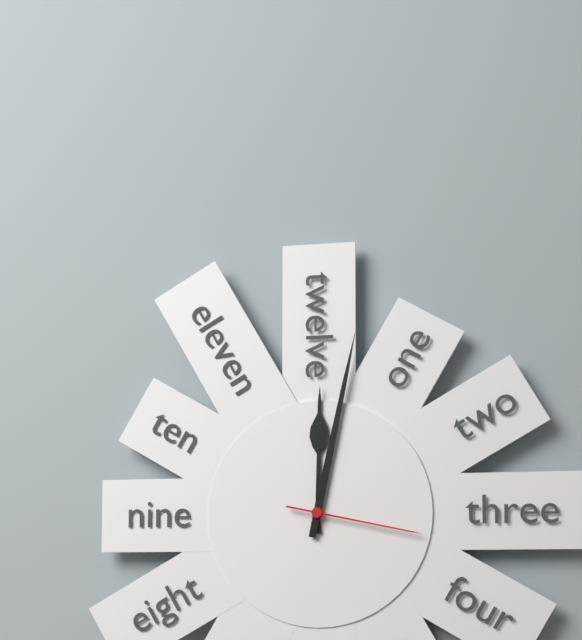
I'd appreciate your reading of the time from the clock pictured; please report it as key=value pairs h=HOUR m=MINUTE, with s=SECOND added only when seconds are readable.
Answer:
h=12 m=2 s=17
